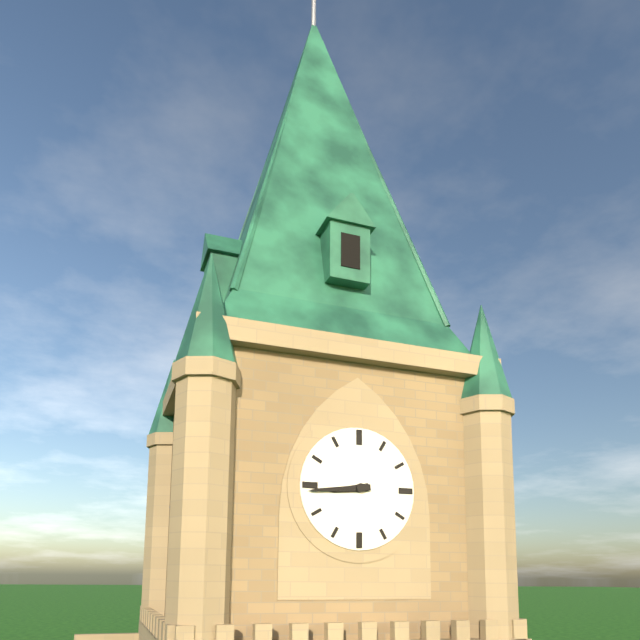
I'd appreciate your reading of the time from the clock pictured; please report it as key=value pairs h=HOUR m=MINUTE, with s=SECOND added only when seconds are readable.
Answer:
h=8 m=44
